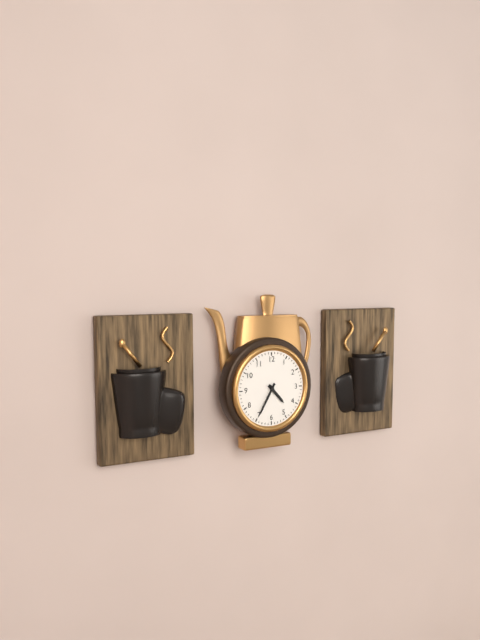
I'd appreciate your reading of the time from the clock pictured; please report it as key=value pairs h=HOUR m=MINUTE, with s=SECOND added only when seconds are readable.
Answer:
h=4 m=35
